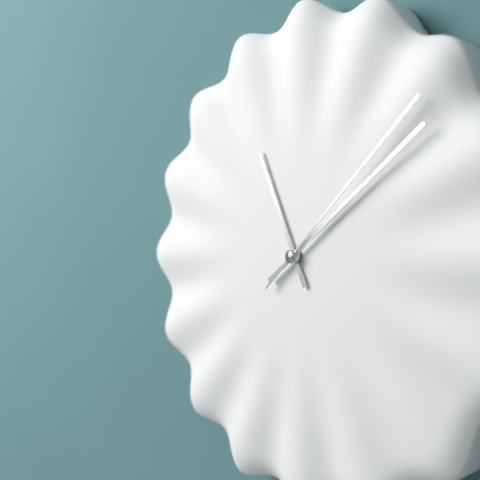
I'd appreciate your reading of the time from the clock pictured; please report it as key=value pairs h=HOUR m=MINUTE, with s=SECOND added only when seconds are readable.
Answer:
h=11 m=9 s=8
